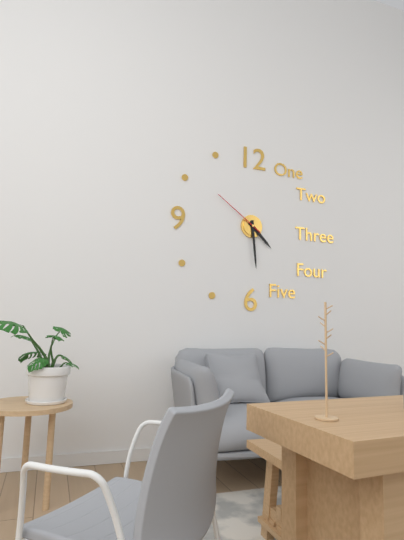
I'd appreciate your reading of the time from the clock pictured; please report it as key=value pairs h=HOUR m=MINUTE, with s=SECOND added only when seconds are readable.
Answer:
h=4 m=29 s=51
